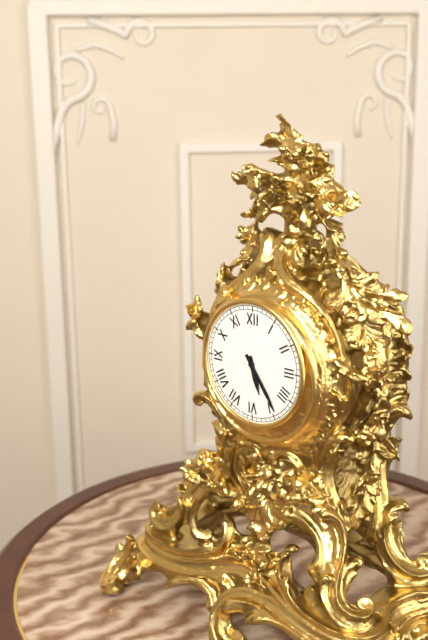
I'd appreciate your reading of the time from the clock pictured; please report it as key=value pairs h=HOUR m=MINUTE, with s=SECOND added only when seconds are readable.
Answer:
h=5 m=24
